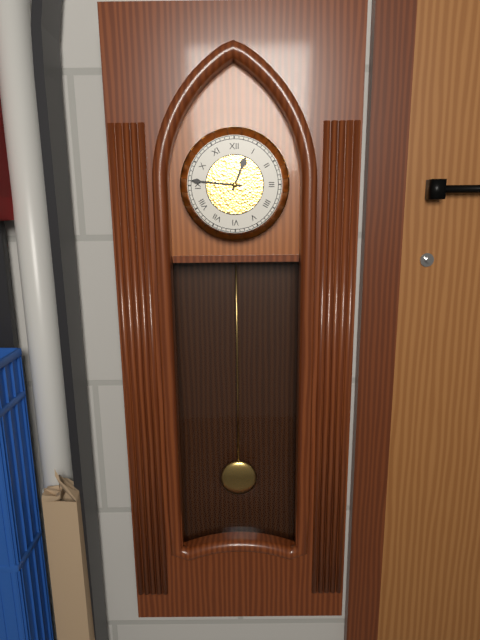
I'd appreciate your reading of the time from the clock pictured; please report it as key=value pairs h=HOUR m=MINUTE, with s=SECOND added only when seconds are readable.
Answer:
h=12 m=46
